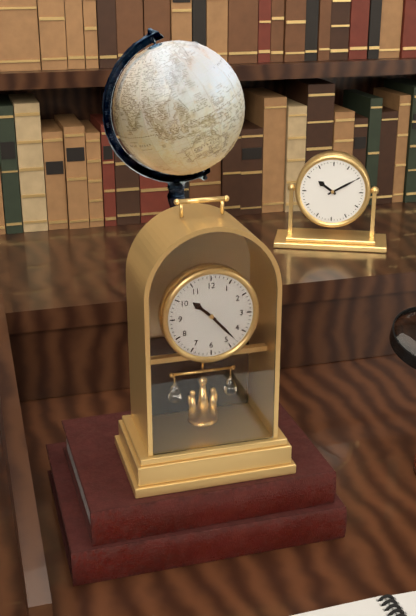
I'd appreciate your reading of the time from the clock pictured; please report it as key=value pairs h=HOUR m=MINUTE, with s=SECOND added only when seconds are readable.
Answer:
h=10 m=23
